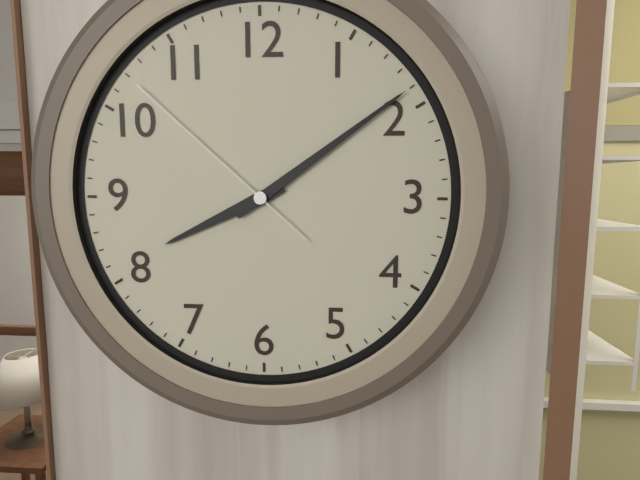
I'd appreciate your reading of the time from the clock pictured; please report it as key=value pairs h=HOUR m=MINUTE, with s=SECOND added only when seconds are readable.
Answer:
h=8 m=9 s=52
